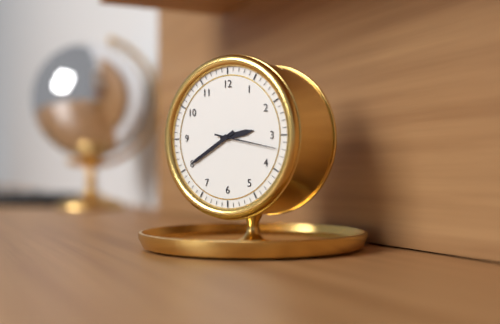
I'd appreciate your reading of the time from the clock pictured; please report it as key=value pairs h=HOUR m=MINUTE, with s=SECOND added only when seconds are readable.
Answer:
h=2 m=40 s=17
